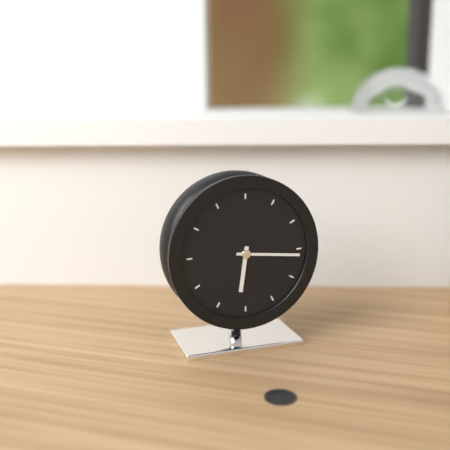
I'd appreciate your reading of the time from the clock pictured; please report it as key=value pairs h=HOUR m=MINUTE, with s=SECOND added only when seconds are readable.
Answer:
h=6 m=16
